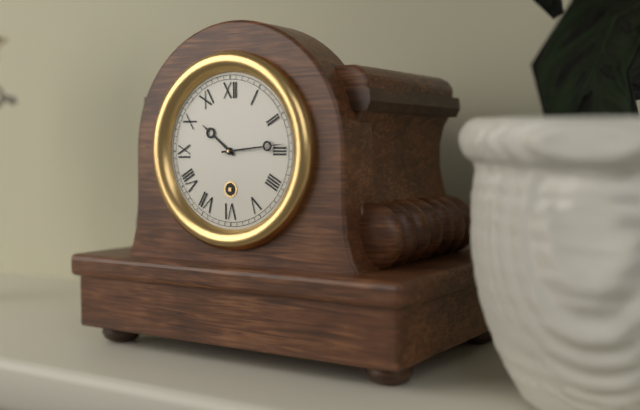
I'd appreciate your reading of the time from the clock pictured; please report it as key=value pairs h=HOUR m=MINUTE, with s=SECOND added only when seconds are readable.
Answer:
h=10 m=14
